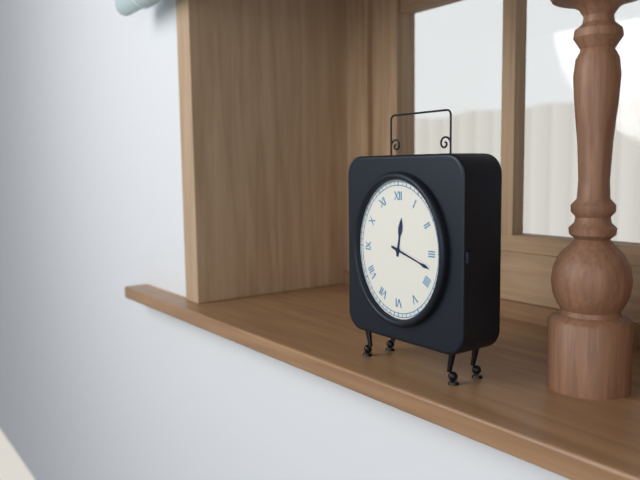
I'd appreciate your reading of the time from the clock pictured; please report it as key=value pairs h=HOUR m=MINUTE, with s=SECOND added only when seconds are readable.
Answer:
h=12 m=18
